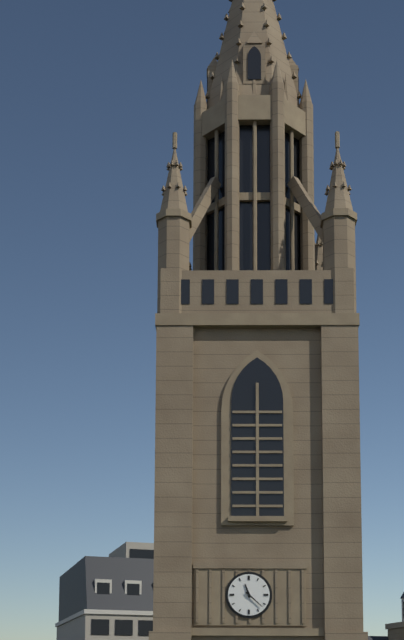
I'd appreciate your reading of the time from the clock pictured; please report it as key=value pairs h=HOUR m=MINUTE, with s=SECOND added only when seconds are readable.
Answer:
h=11 m=22
